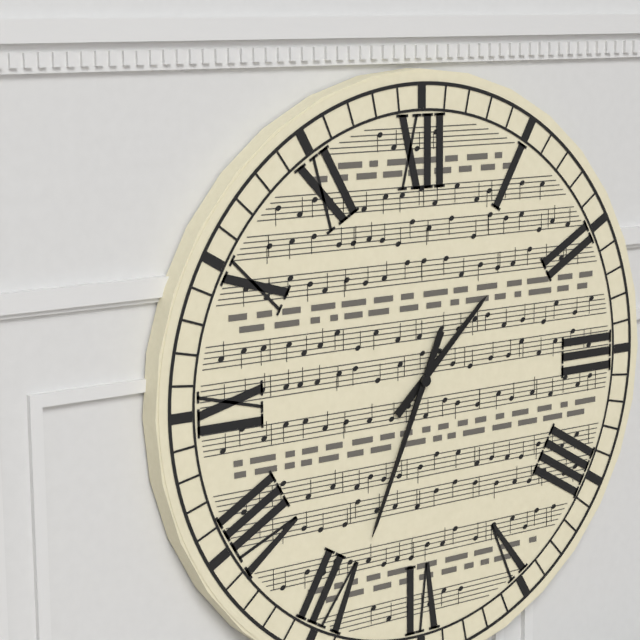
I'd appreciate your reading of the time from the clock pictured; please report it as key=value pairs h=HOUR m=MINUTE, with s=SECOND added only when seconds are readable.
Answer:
h=1 m=34
